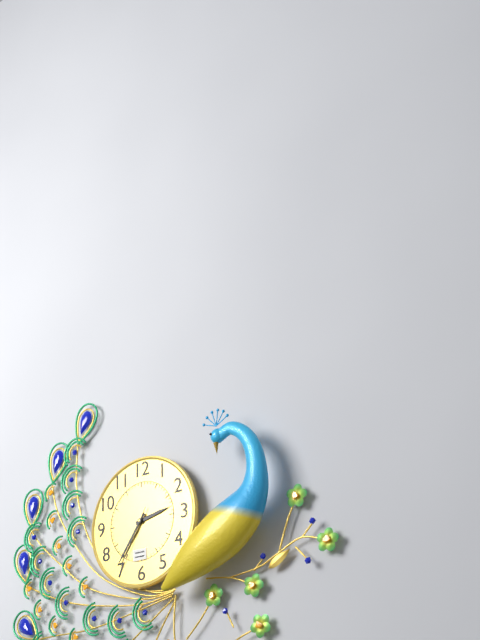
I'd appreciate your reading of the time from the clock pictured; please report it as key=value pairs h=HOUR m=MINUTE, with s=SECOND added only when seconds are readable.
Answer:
h=2 m=36 s=35
